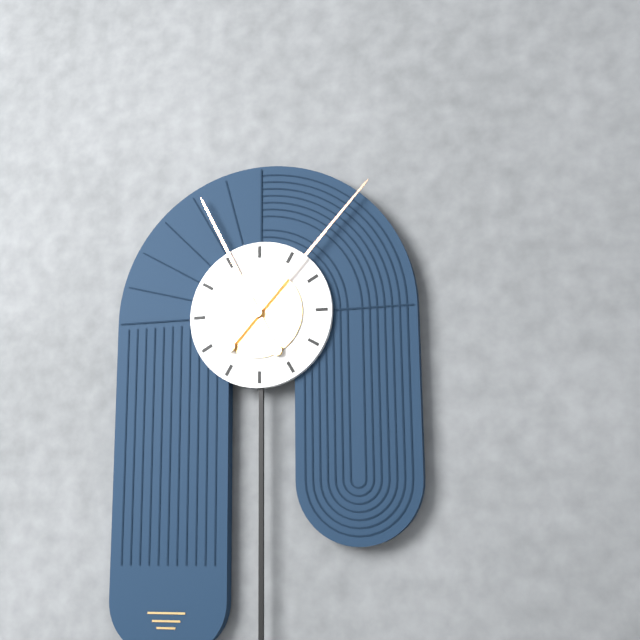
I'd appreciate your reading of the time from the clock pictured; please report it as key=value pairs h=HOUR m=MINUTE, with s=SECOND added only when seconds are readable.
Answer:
h=11 m=7
